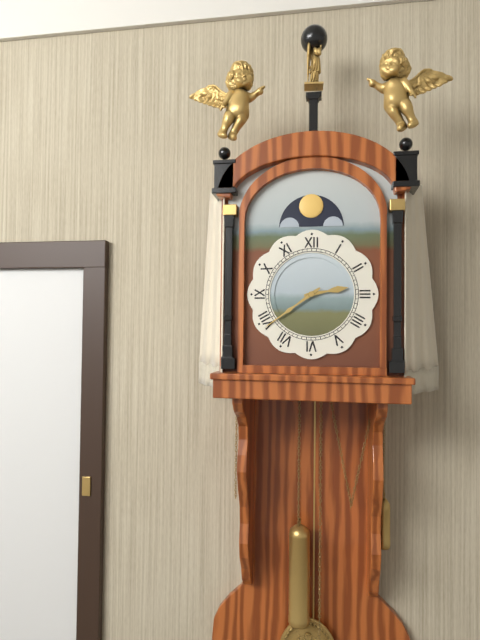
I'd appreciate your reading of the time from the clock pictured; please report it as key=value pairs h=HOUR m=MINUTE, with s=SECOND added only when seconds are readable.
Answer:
h=2 m=39
